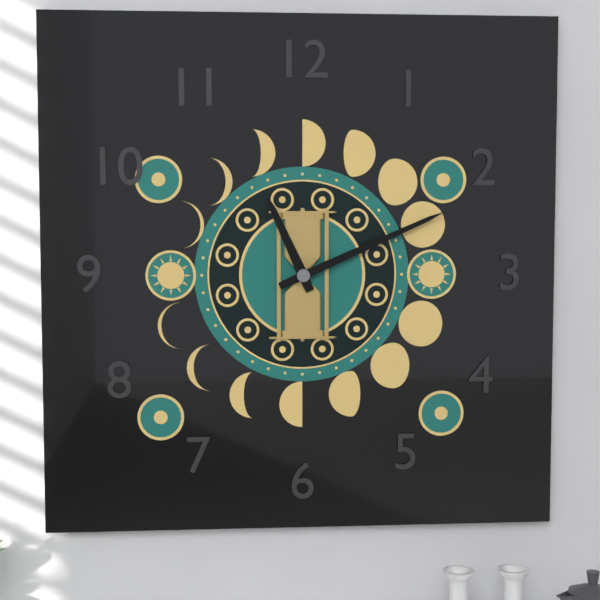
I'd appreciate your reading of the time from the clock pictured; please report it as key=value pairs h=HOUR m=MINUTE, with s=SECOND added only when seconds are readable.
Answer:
h=11 m=11
